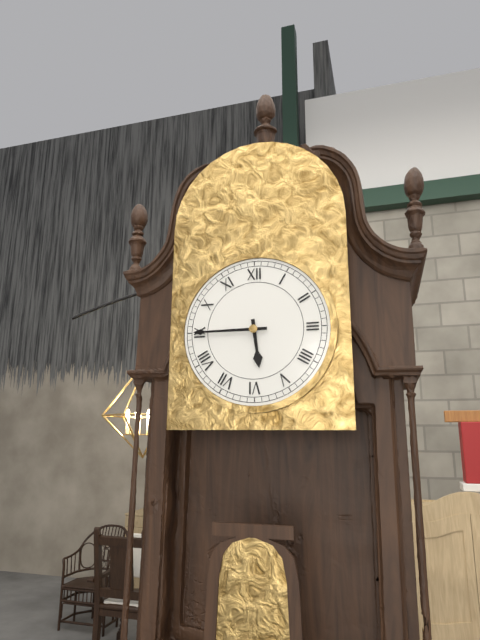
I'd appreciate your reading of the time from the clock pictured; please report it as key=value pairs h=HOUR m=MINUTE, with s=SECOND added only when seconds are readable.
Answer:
h=5 m=45
